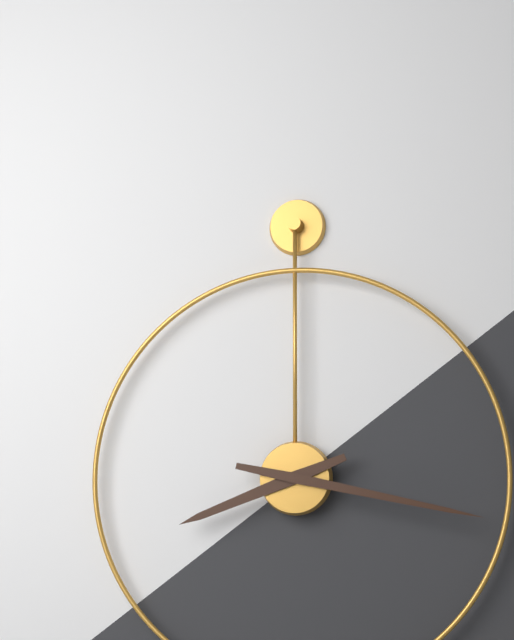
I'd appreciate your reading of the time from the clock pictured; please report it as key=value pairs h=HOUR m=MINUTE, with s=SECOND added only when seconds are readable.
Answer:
h=8 m=17
